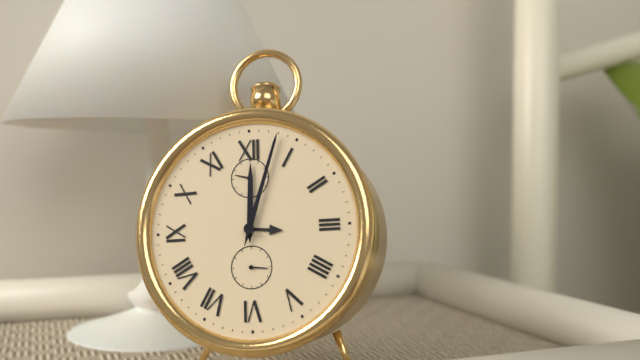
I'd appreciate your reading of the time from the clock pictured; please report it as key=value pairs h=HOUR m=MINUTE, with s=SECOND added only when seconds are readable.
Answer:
h=12 m=3
